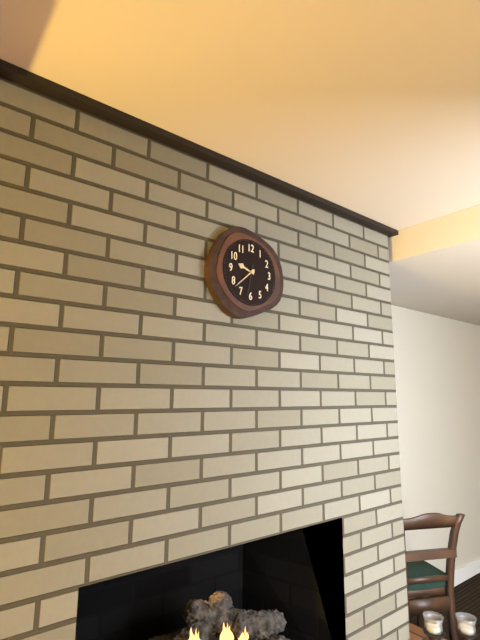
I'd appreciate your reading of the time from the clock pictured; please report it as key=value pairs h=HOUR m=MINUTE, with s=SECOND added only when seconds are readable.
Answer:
h=9 m=38
